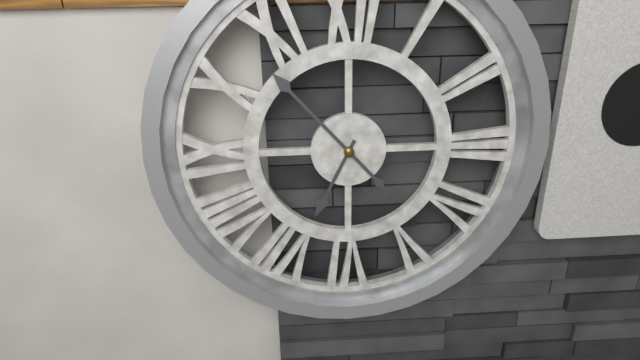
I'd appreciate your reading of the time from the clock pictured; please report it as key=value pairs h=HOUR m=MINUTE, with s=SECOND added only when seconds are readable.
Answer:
h=6 m=53
